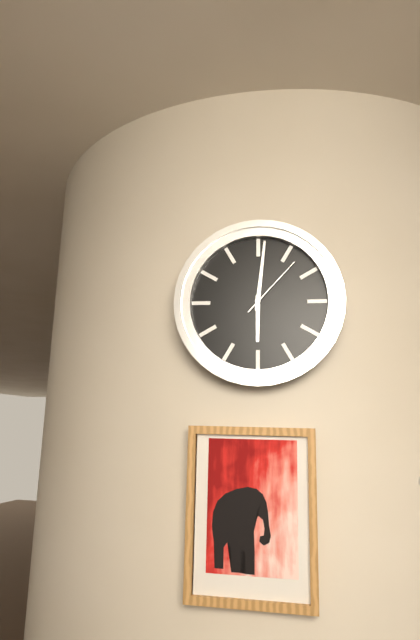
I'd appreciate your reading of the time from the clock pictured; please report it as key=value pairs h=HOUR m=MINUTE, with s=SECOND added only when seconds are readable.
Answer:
h=6 m=1 s=7
